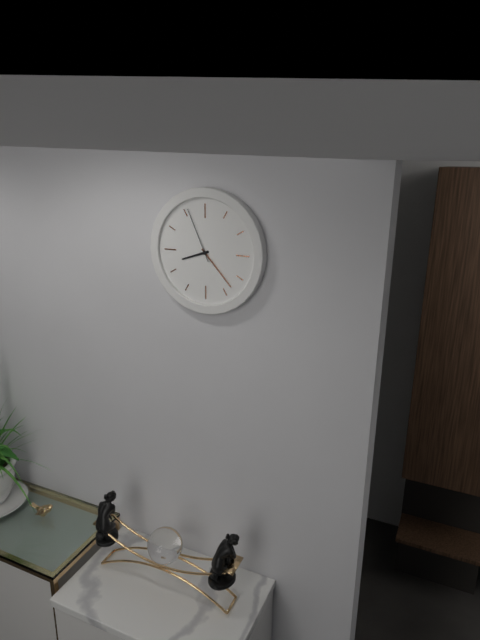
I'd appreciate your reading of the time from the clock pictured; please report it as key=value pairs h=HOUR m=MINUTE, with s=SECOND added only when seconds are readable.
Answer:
h=8 m=23 s=56
